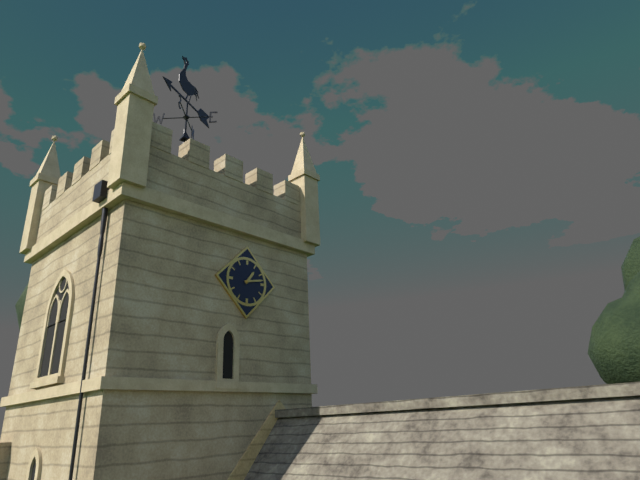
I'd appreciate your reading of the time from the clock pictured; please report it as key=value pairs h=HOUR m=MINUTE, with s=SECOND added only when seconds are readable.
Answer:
h=1 m=13
